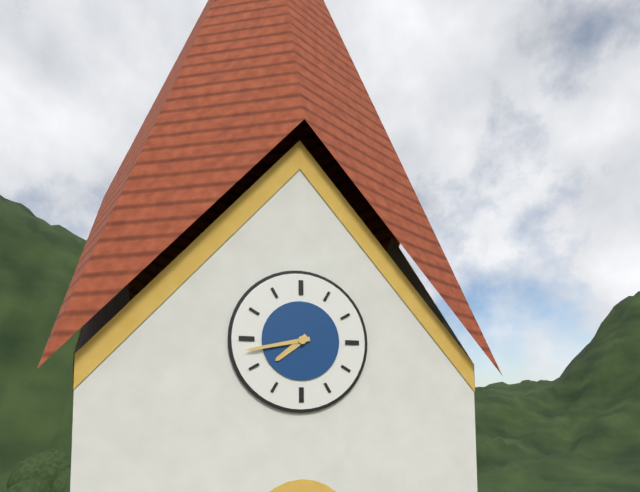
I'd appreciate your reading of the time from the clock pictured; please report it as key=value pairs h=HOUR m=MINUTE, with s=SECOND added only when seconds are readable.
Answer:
h=7 m=43
